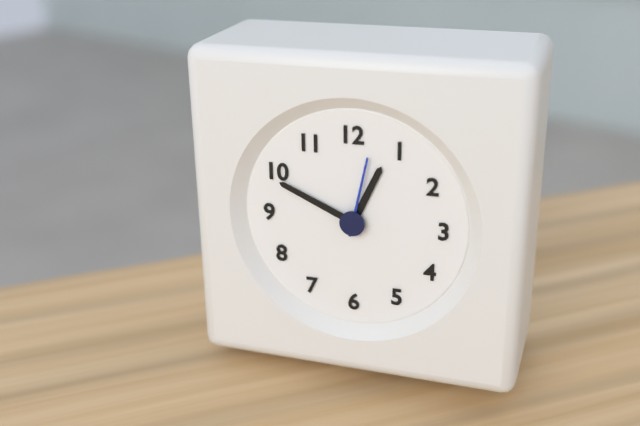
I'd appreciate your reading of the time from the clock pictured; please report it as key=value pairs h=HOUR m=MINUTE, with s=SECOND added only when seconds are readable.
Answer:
h=12 m=49 s=2
